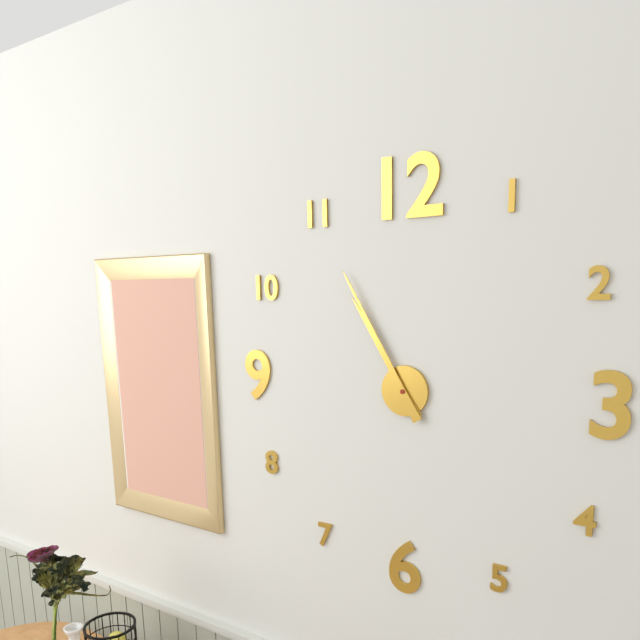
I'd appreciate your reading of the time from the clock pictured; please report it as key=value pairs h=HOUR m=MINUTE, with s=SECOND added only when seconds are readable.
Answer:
h=10 m=55
